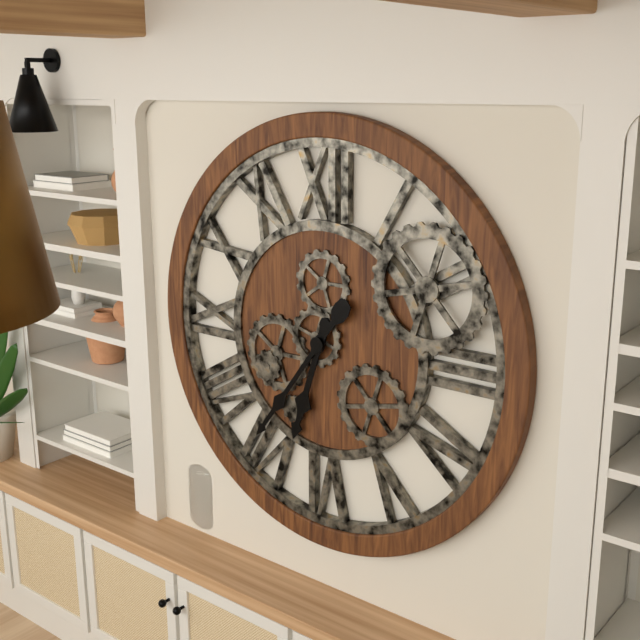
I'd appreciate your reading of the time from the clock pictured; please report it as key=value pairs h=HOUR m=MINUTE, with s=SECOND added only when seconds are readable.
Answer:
h=6 m=36
